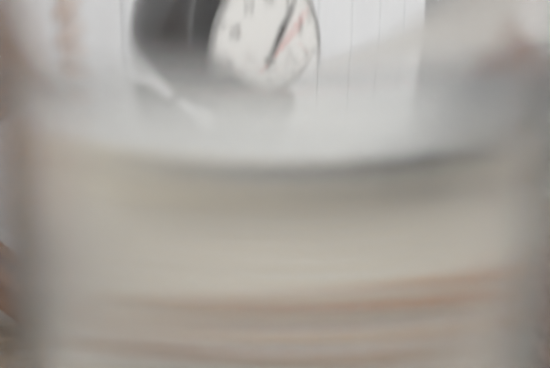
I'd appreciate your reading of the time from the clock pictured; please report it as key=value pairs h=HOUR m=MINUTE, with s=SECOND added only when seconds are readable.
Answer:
h=1 m=6 s=9
